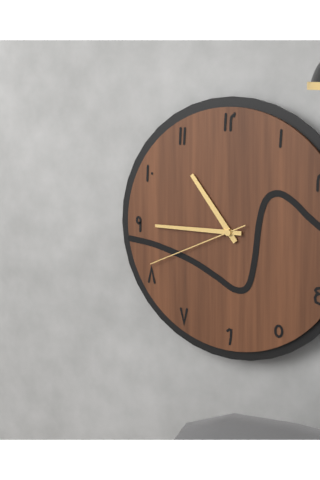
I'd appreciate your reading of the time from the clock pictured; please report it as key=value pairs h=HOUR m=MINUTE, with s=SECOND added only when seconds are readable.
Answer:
h=10 m=45 s=41
